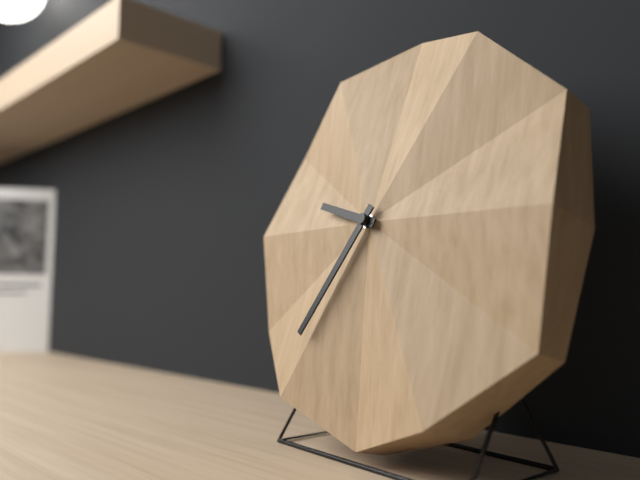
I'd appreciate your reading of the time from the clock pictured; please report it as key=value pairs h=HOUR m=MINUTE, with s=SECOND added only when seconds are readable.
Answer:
h=9 m=35
